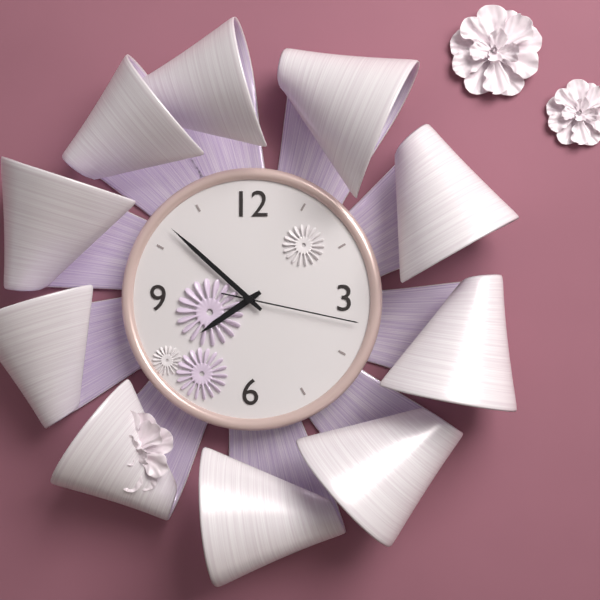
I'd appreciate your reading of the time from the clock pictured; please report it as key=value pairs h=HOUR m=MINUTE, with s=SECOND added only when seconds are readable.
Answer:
h=7 m=52 s=17
